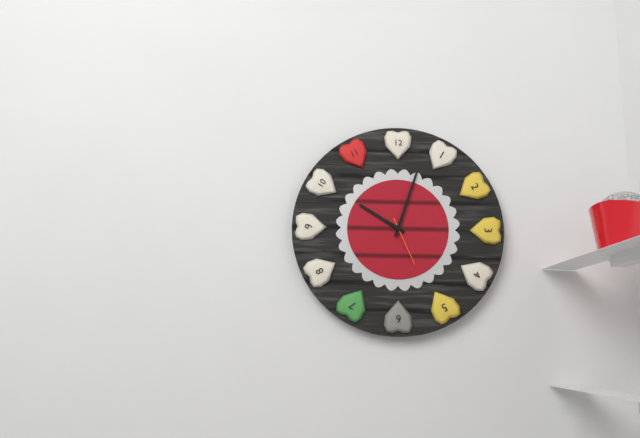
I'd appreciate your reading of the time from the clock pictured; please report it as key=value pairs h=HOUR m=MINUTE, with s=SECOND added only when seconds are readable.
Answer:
h=10 m=3 s=26
